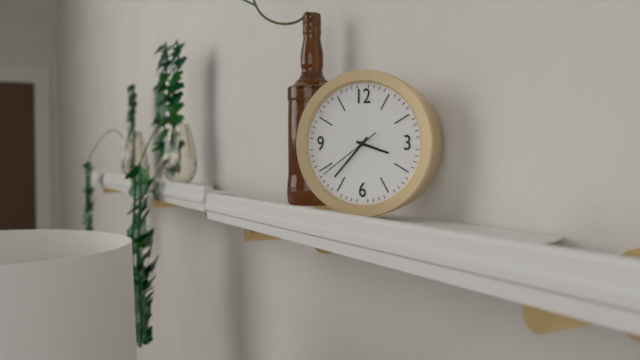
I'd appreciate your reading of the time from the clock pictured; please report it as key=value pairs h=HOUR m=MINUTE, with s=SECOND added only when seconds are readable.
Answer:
h=3 m=37 s=39
